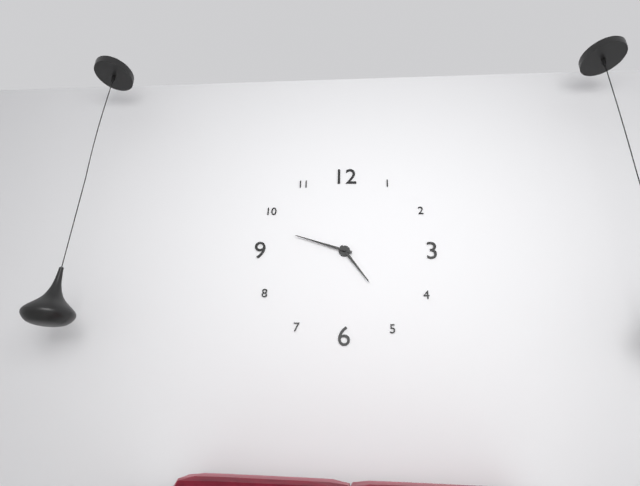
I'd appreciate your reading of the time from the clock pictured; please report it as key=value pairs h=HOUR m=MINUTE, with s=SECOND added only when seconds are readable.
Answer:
h=4 m=48
